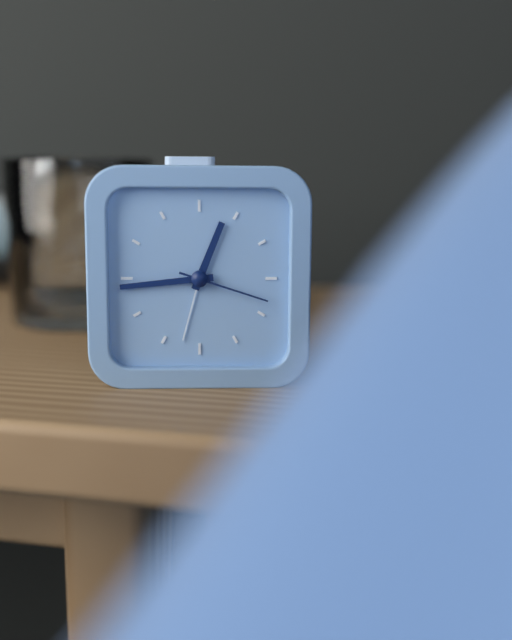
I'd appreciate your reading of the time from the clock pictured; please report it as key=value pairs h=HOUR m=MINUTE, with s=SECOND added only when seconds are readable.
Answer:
h=12 m=44 s=18
